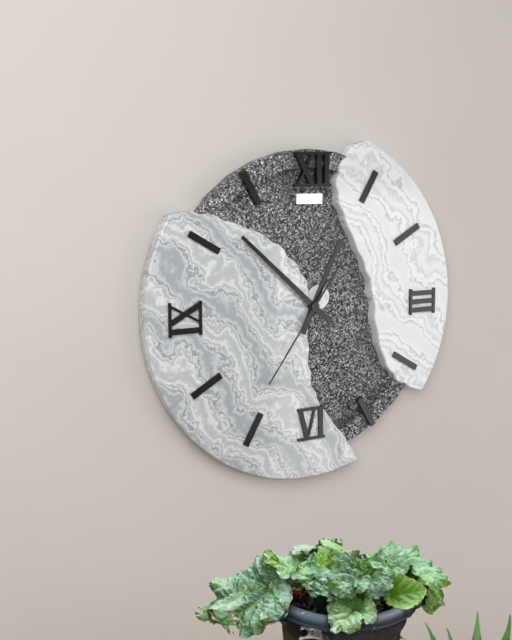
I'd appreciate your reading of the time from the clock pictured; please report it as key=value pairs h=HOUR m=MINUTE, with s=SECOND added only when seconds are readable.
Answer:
h=12 m=52 s=36
